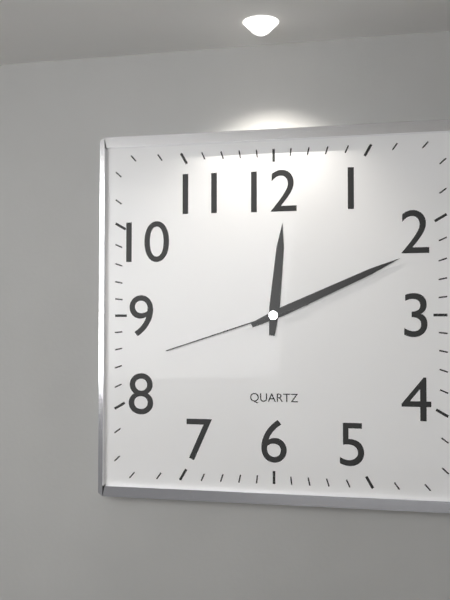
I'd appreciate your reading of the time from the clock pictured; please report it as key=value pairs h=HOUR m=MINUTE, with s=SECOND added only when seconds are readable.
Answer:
h=12 m=11 s=42
